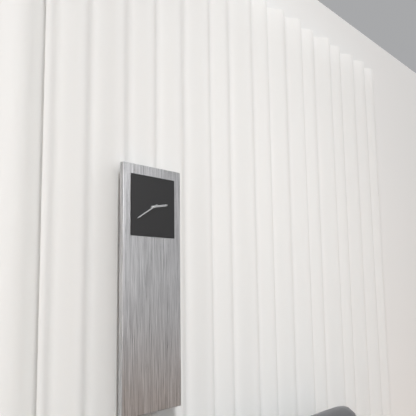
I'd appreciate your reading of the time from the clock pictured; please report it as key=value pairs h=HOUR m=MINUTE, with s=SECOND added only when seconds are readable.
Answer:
h=2 m=40
